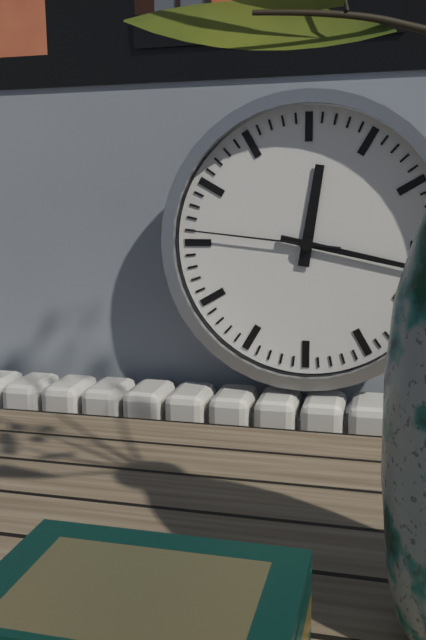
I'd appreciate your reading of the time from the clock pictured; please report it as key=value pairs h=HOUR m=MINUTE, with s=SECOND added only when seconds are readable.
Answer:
h=12 m=17 s=46
